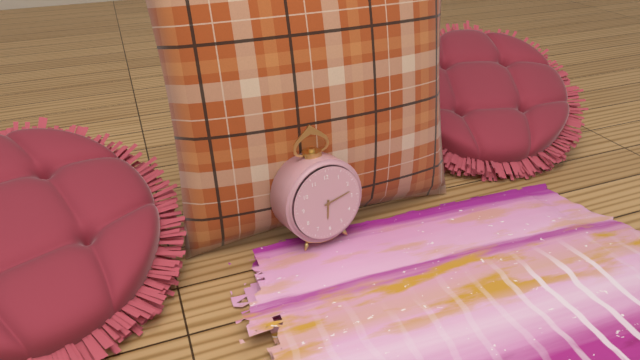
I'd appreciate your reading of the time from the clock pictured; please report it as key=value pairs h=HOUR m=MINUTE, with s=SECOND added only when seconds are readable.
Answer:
h=6 m=13
